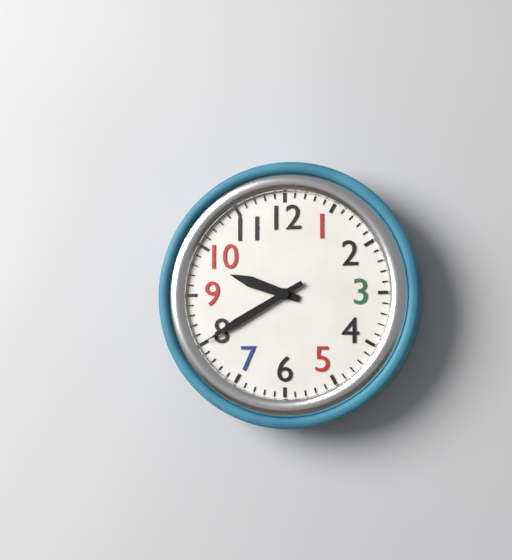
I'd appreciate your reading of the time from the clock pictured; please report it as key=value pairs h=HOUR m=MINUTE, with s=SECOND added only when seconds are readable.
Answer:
h=9 m=40
